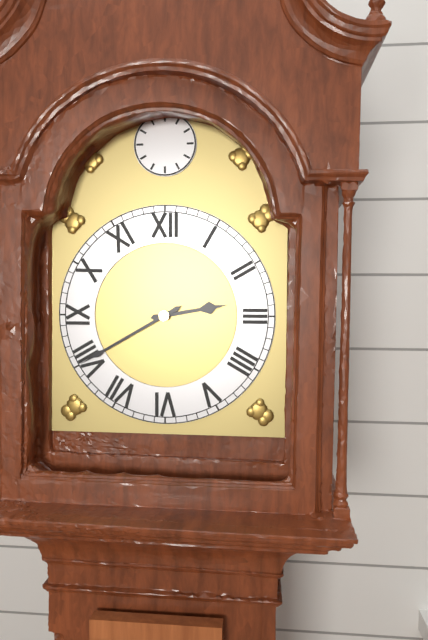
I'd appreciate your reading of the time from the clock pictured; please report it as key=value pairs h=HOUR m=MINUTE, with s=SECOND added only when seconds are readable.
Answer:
h=2 m=40
